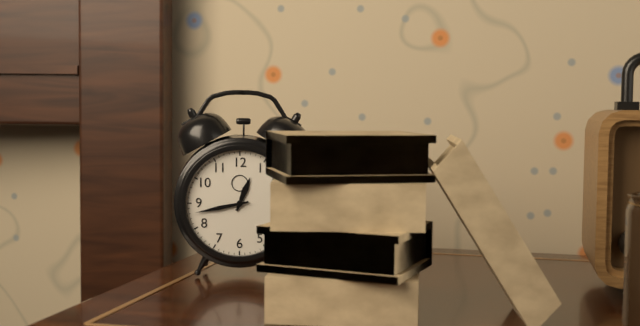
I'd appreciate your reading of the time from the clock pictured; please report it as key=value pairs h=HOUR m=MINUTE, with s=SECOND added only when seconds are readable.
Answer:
h=12 m=43
